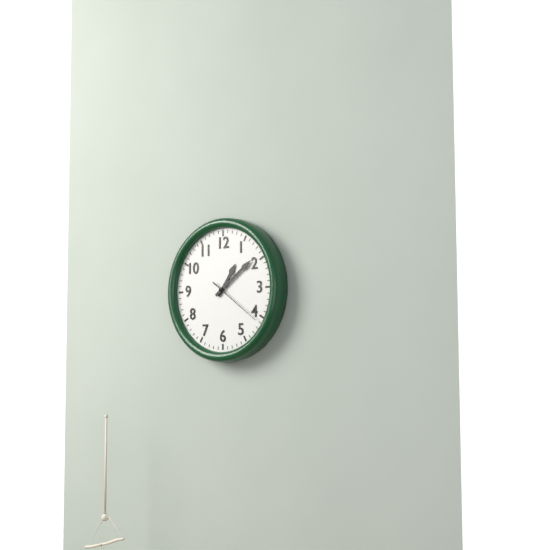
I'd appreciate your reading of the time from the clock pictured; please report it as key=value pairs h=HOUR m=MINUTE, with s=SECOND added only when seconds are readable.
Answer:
h=1 m=9
